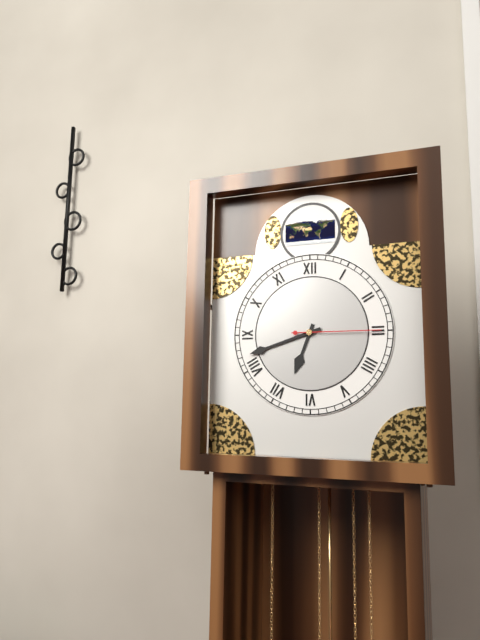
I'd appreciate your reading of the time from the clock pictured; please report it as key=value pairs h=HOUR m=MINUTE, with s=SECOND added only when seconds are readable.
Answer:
h=6 m=42 s=15
